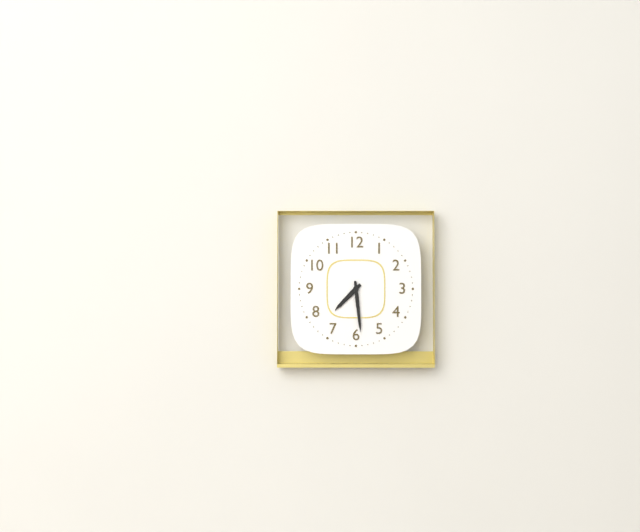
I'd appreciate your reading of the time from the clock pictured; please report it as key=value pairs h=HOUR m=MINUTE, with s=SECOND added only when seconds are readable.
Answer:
h=7 m=29
